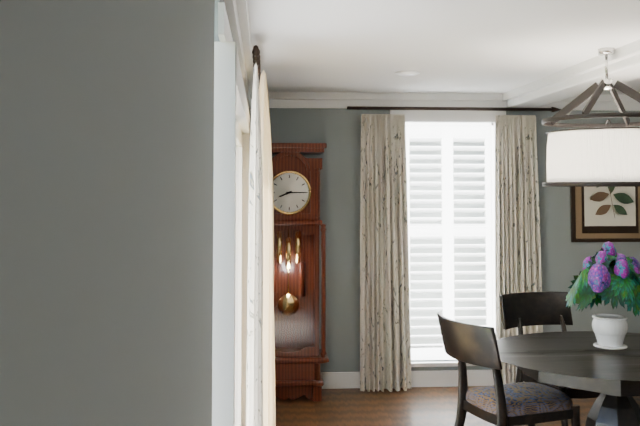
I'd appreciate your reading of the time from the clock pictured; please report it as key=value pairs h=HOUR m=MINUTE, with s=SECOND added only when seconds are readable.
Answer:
h=8 m=15
